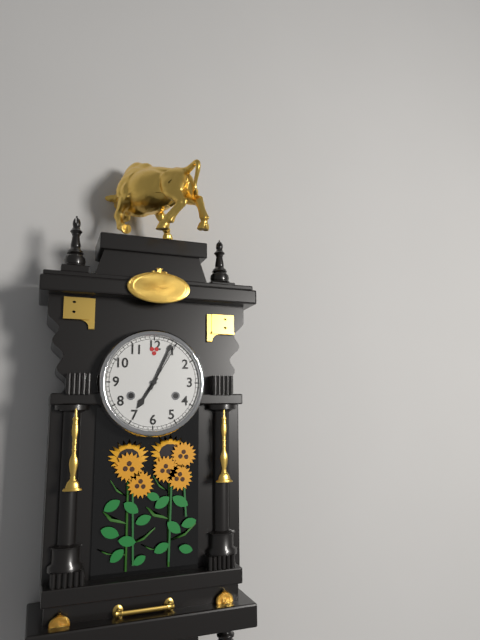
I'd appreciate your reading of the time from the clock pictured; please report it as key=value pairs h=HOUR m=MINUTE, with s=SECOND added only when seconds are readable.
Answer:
h=7 m=4 s=5
